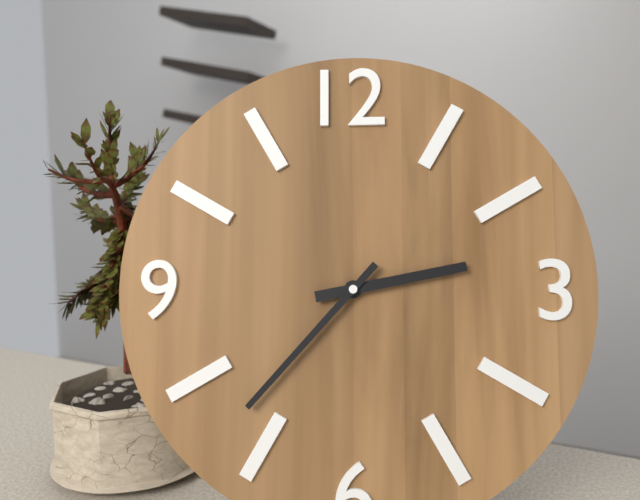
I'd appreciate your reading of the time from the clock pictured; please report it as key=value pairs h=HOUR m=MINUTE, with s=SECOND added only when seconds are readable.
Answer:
h=2 m=37
